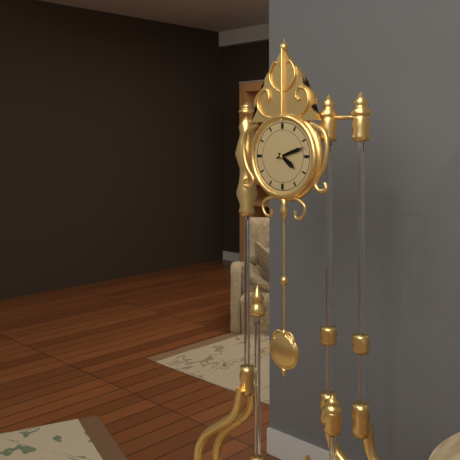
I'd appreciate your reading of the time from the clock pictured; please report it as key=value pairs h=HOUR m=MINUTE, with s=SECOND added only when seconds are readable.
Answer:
h=4 m=12
